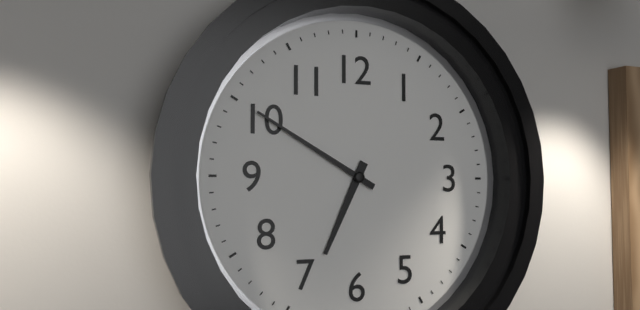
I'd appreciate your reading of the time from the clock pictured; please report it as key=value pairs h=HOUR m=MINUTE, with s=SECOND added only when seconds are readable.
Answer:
h=6 m=50
